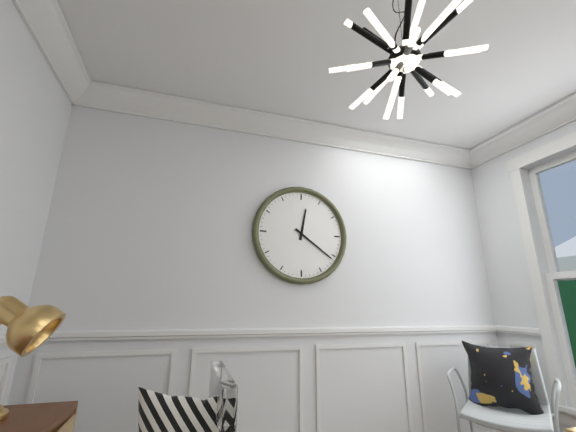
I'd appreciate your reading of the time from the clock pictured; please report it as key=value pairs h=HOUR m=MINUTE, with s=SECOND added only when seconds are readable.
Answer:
h=12 m=21
